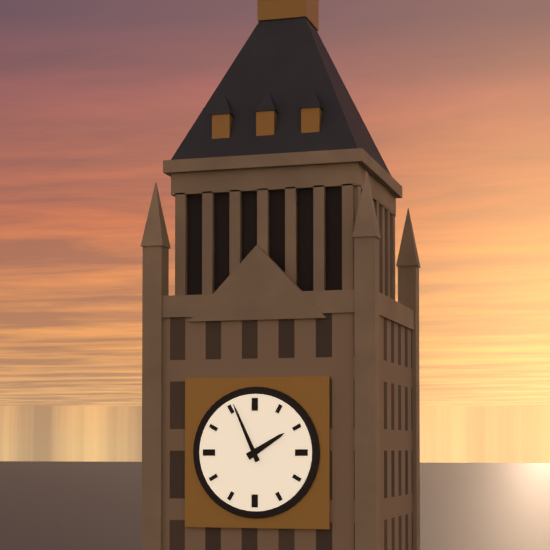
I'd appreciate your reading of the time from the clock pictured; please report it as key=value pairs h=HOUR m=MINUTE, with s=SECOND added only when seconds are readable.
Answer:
h=1 m=56
